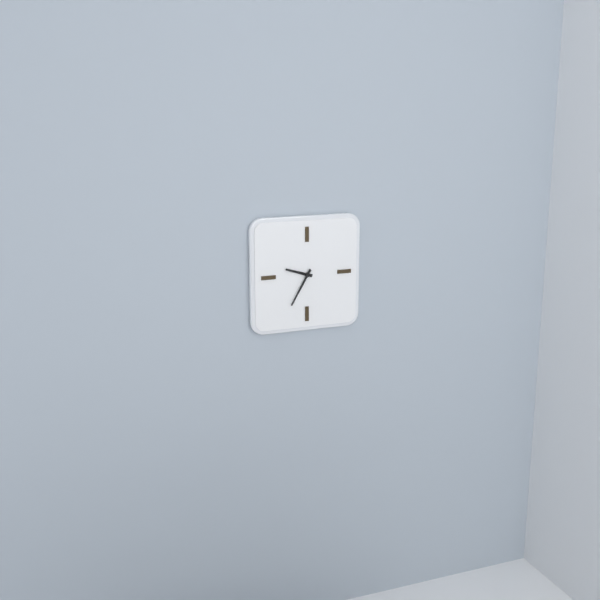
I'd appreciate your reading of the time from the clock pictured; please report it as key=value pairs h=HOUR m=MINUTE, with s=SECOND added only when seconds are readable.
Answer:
h=9 m=35
